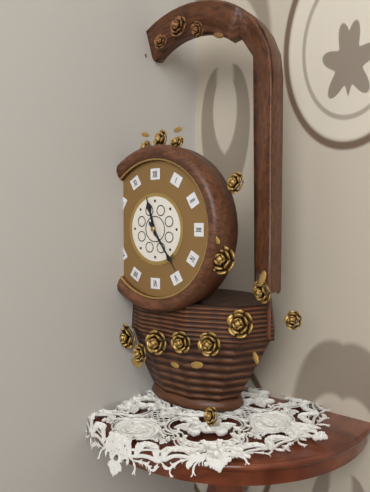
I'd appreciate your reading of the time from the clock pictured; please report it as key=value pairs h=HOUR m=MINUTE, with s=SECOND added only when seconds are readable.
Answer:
h=11 m=24
